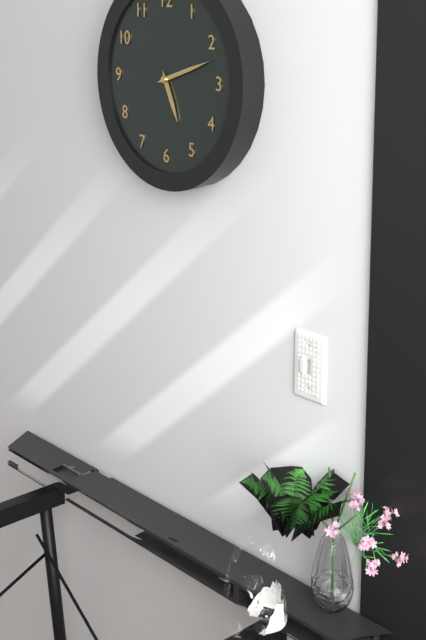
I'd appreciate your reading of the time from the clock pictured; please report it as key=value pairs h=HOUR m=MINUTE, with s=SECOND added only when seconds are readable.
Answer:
h=5 m=12
